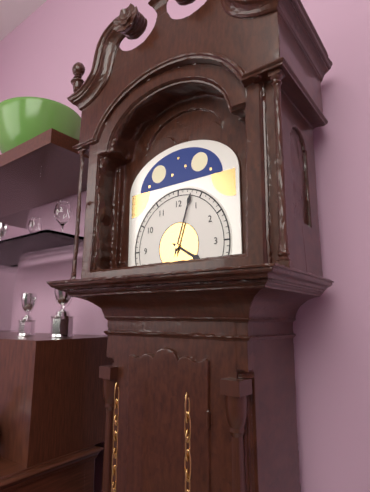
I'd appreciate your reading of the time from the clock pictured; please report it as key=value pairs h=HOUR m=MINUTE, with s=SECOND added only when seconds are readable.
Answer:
h=4 m=3
